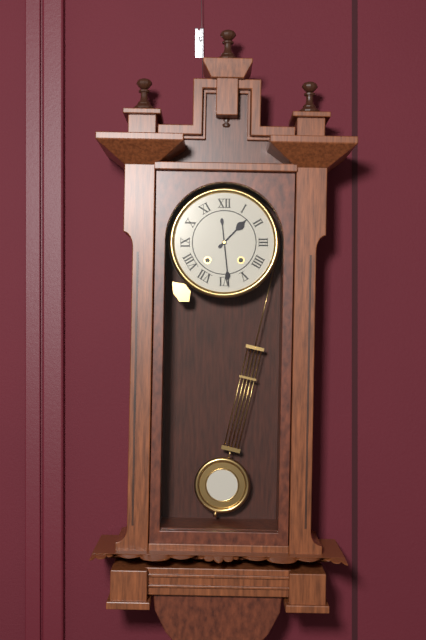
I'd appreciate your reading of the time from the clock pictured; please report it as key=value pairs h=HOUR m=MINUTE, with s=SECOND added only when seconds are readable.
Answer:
h=1 m=29
